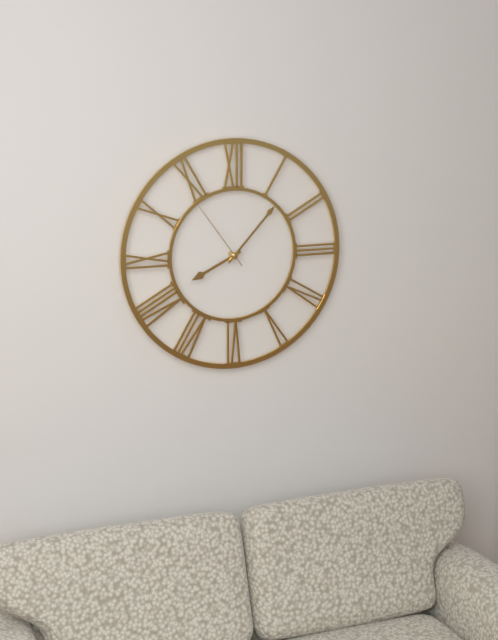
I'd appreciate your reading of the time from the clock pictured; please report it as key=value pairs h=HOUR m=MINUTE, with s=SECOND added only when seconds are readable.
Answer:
h=8 m=7 s=54
